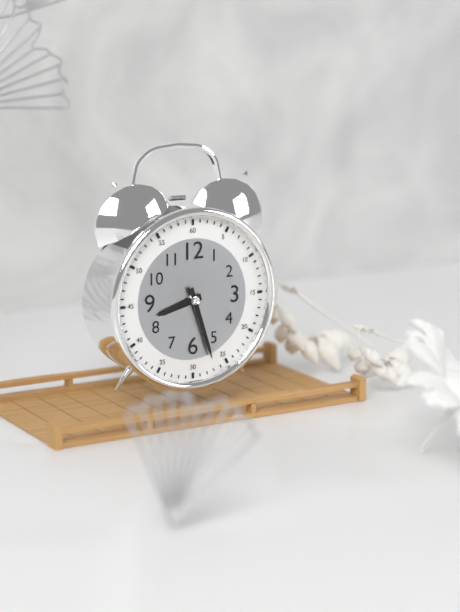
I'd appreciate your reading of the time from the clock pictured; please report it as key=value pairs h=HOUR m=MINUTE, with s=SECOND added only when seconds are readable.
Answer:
h=8 m=27
